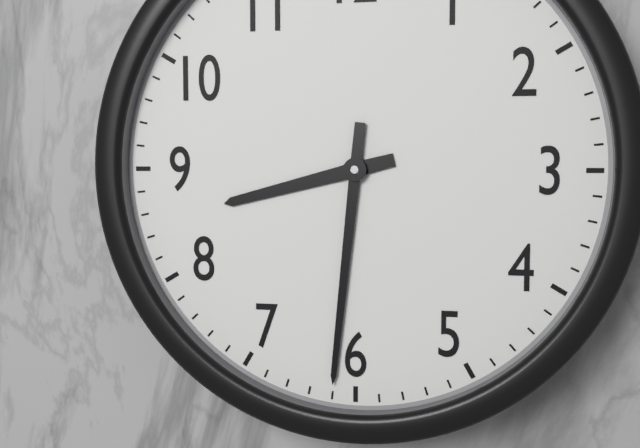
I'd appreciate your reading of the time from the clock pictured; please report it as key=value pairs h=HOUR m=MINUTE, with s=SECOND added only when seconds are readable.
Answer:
h=8 m=31
